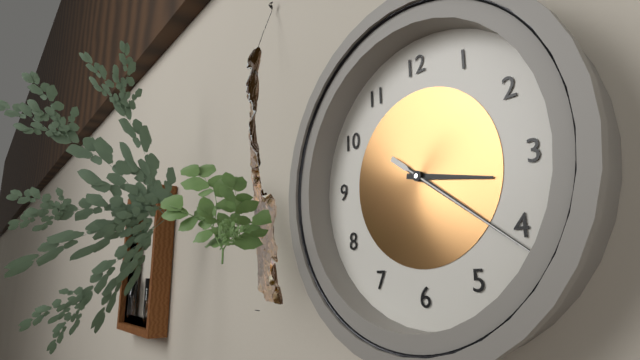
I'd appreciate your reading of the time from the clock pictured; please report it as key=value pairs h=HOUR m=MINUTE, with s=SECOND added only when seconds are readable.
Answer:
h=3 m=21 s=21
